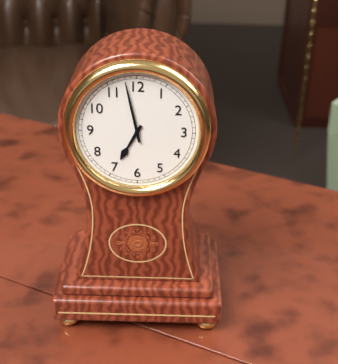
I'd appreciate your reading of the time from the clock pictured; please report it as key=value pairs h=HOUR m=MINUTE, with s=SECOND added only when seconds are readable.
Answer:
h=6 m=58
